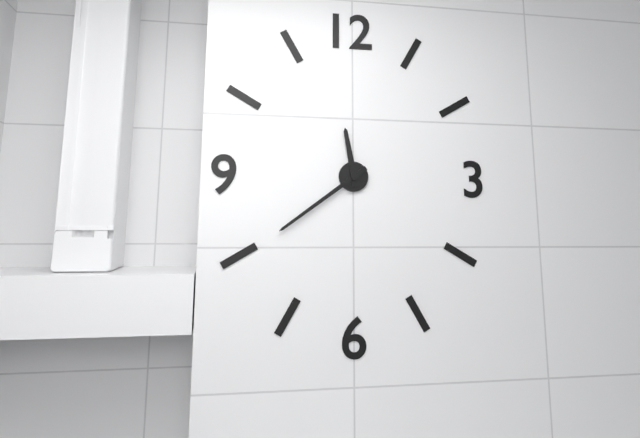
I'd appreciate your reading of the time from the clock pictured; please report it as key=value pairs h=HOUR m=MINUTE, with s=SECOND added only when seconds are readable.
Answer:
h=11 m=39
